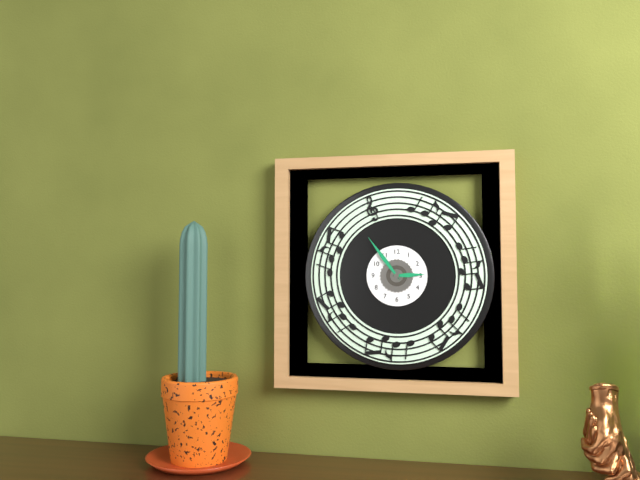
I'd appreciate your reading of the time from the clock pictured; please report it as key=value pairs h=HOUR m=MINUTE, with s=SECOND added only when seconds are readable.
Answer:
h=2 m=54
